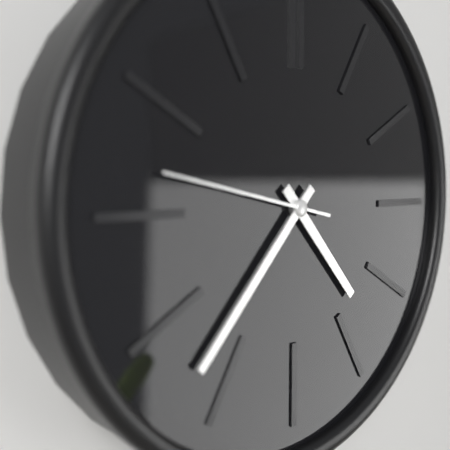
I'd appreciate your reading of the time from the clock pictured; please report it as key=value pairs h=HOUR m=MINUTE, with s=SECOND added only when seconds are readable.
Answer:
h=4 m=37 s=47
